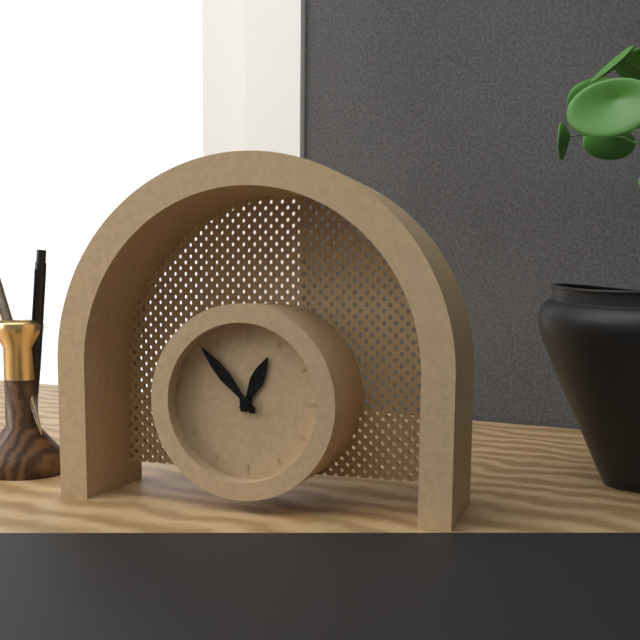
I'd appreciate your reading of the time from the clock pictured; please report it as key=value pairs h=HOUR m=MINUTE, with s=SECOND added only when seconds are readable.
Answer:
h=12 m=53
